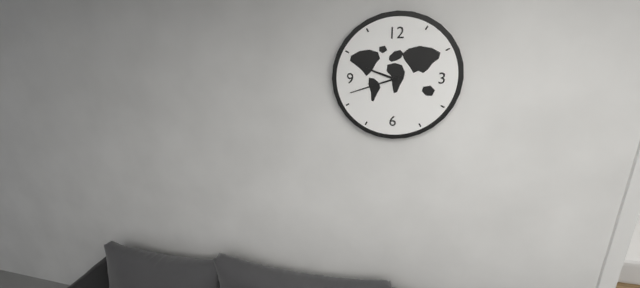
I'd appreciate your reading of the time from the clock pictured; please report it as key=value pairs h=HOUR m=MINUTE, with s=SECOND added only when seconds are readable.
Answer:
h=9 m=42
